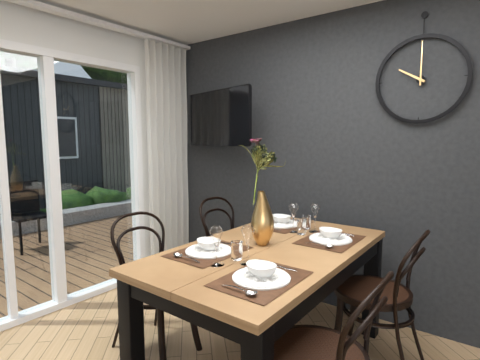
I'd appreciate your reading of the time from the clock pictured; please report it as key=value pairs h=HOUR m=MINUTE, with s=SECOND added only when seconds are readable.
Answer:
h=10 m=0
